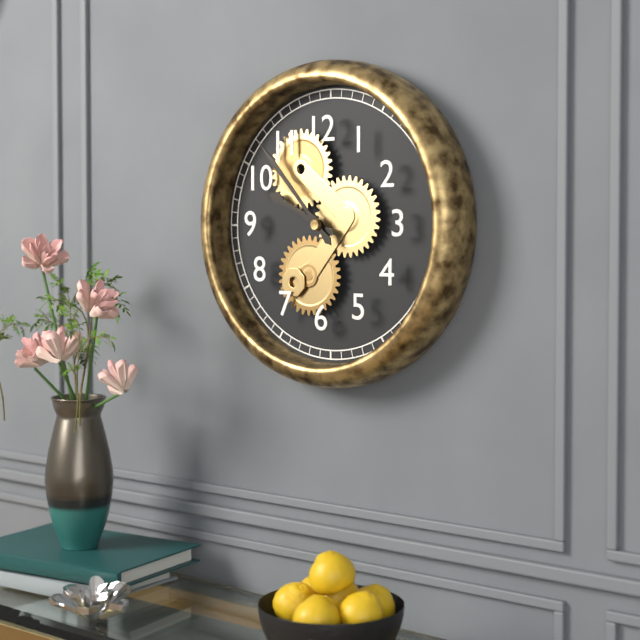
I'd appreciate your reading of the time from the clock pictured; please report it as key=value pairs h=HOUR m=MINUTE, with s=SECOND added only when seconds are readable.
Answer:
h=9 m=53
